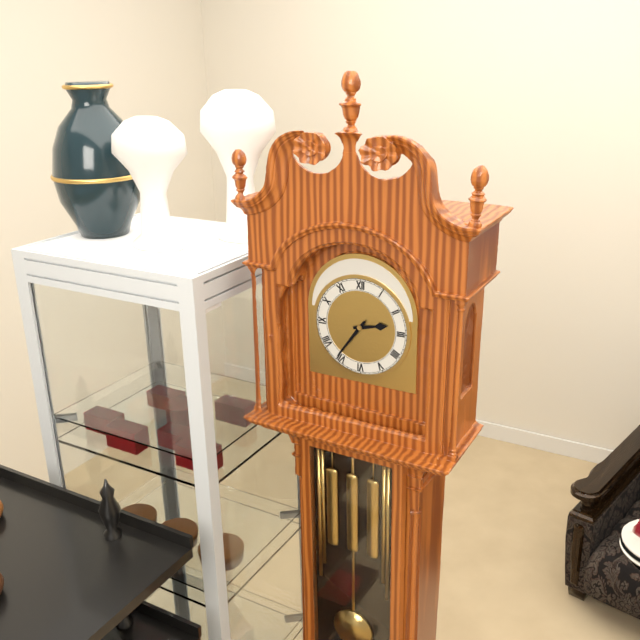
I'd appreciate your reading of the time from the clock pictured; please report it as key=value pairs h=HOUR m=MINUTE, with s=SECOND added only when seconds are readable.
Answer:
h=2 m=36
